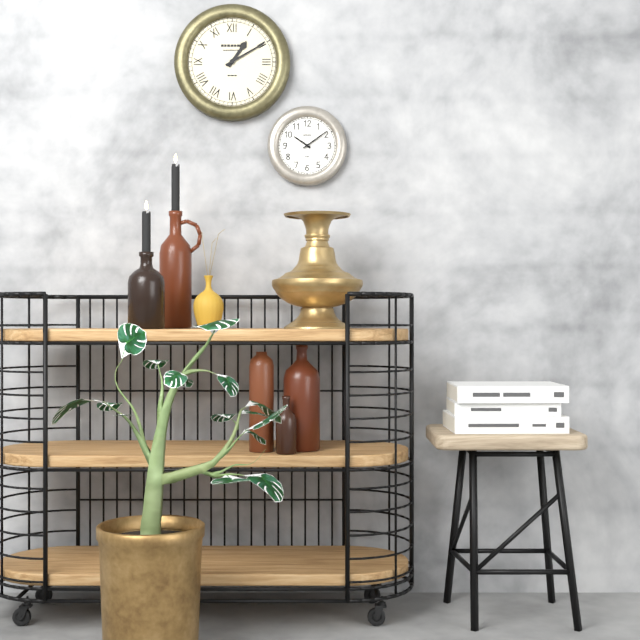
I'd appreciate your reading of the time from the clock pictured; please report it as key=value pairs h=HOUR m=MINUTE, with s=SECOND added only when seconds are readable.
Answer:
h=1 m=10
